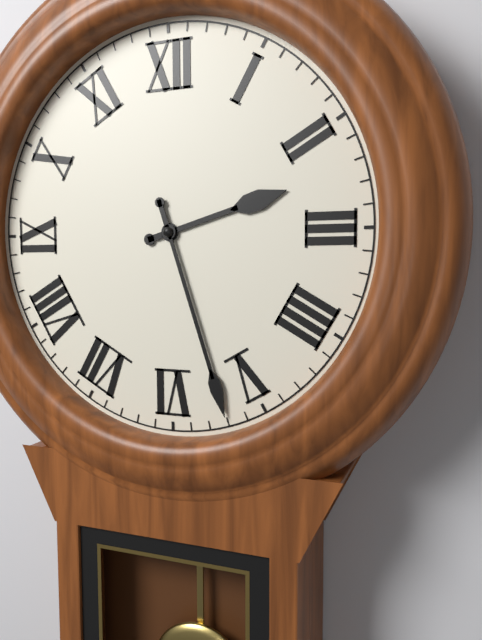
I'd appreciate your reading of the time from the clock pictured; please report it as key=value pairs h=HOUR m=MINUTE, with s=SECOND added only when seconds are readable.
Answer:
h=2 m=27
